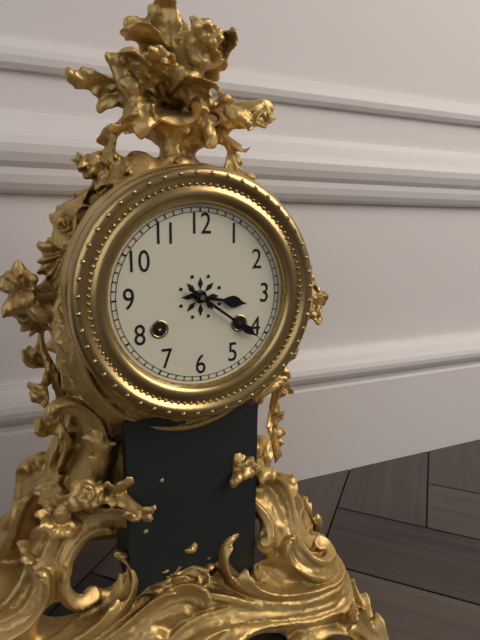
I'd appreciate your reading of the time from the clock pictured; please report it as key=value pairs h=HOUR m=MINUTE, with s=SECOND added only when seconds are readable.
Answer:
h=3 m=21
